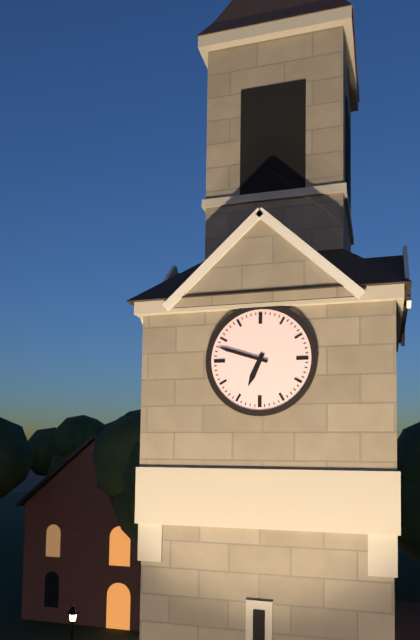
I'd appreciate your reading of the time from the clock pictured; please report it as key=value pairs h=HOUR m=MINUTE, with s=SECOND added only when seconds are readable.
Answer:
h=6 m=48
